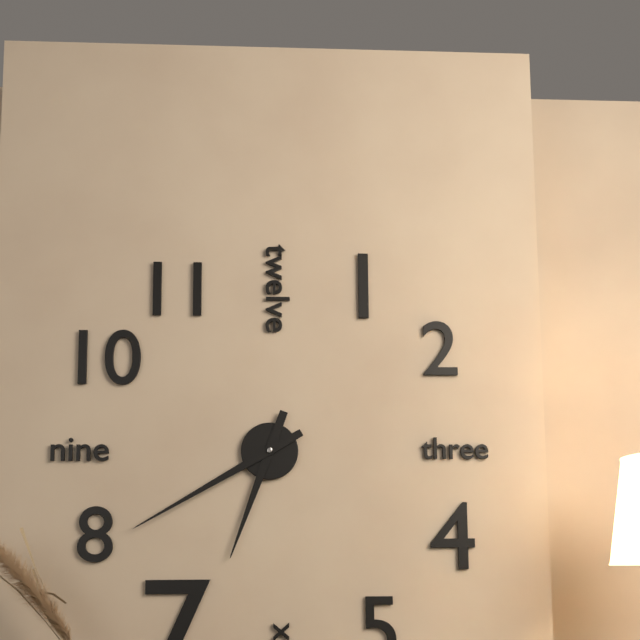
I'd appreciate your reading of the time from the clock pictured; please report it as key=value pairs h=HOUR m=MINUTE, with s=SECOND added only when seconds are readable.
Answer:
h=6 m=40
